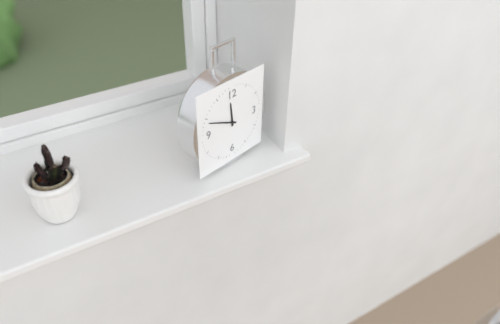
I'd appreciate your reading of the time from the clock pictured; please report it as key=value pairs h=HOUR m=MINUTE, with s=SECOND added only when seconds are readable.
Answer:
h=11 m=49
